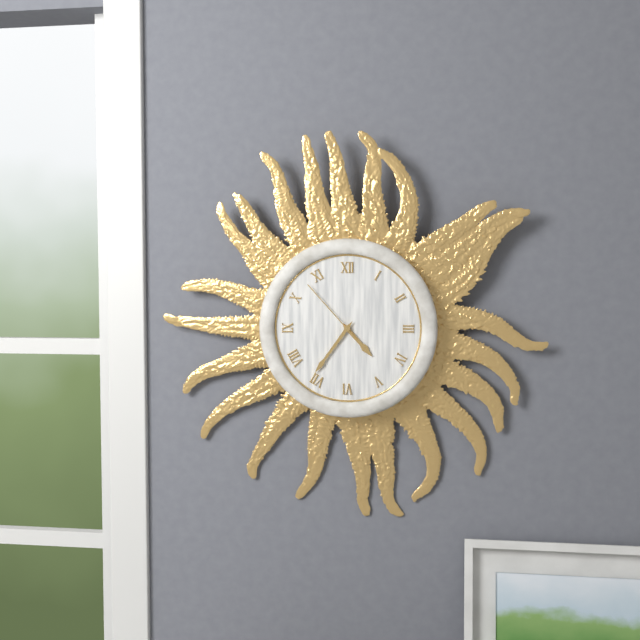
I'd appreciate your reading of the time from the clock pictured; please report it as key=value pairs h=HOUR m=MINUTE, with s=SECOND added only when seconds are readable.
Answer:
h=4 m=36 s=53
